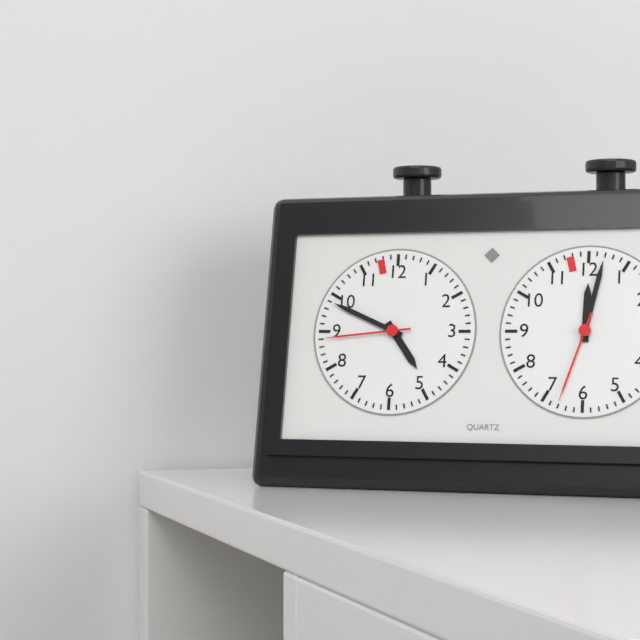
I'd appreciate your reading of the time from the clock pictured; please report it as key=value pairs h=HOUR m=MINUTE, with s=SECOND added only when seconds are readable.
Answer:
h=4 m=49 s=44
